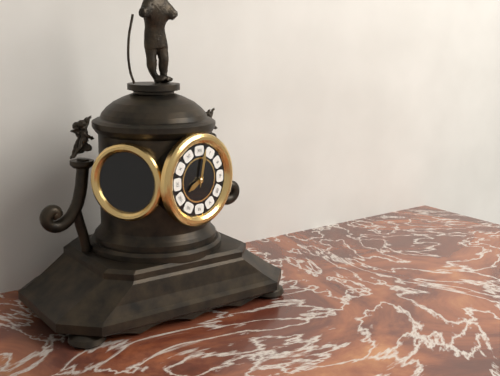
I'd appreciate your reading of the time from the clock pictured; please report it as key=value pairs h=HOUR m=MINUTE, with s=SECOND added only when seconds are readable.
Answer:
h=8 m=2
